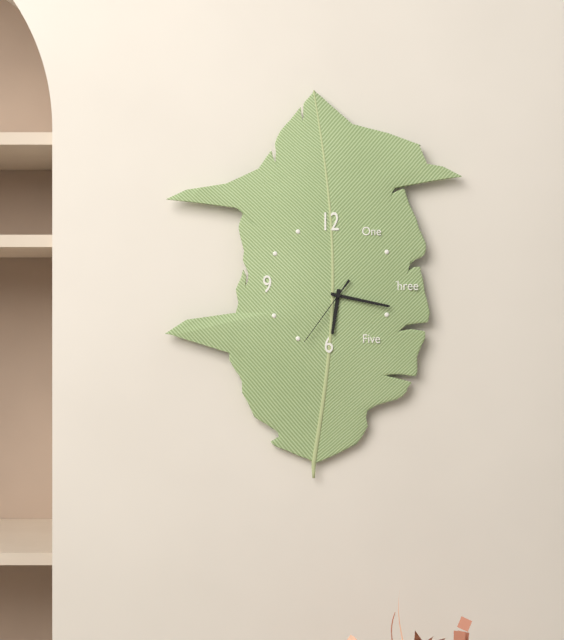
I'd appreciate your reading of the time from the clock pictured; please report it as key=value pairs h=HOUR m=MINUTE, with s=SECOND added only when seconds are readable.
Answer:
h=6 m=17 s=36
